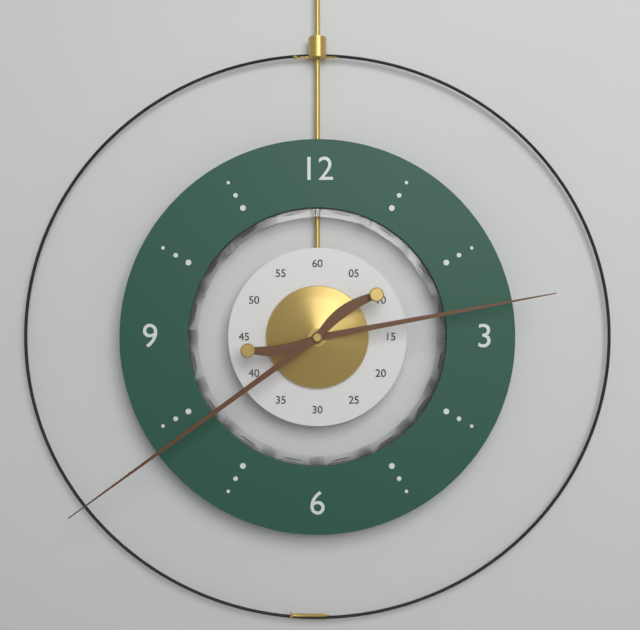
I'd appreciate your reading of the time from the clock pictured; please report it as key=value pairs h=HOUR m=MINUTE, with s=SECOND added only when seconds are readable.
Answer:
h=2 m=39
